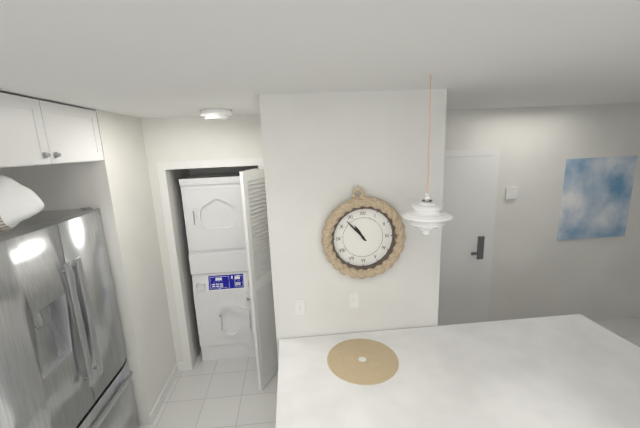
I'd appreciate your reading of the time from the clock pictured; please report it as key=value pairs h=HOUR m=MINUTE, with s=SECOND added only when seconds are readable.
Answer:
h=10 m=53
